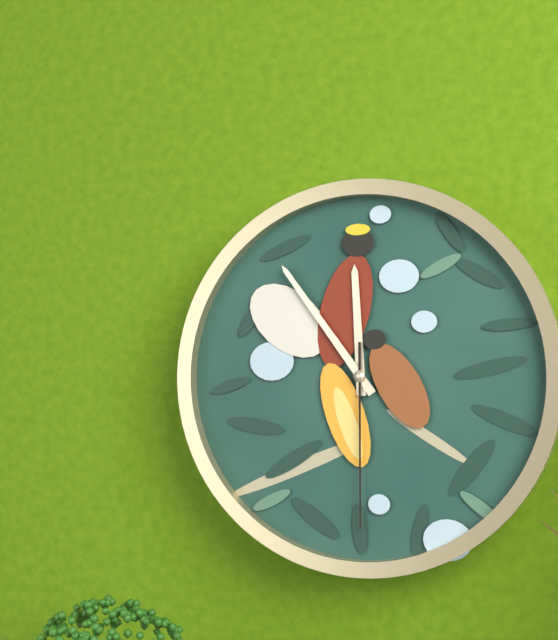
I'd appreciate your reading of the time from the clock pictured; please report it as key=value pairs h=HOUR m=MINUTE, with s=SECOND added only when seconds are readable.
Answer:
h=11 m=54 s=30
